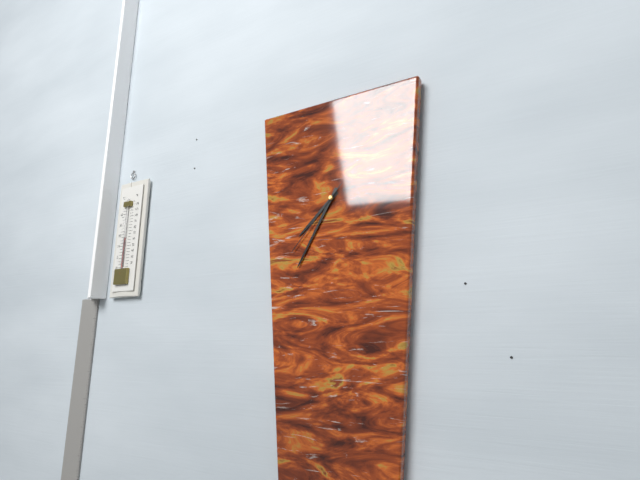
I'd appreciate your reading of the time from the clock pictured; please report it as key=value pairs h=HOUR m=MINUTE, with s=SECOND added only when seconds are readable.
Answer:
h=7 m=35 s=37
